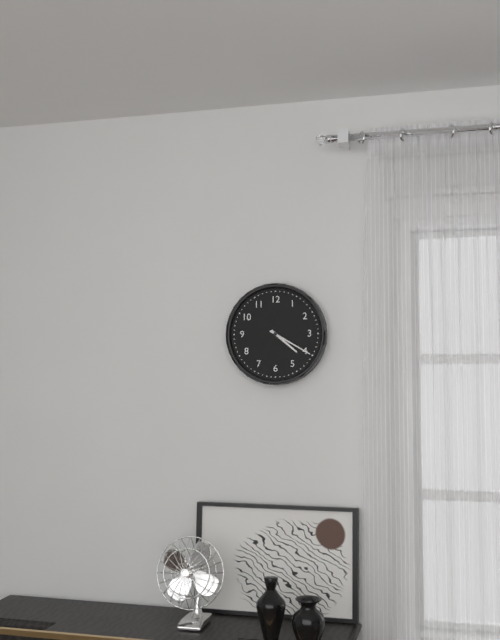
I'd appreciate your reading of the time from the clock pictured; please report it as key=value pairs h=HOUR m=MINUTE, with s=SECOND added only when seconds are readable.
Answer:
h=4 m=20
